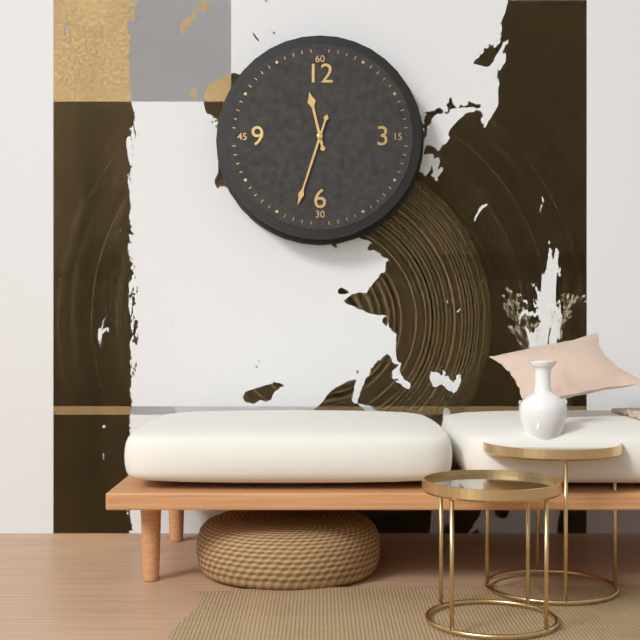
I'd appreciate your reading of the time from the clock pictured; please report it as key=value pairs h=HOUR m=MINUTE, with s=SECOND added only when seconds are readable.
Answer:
h=11 m=33
